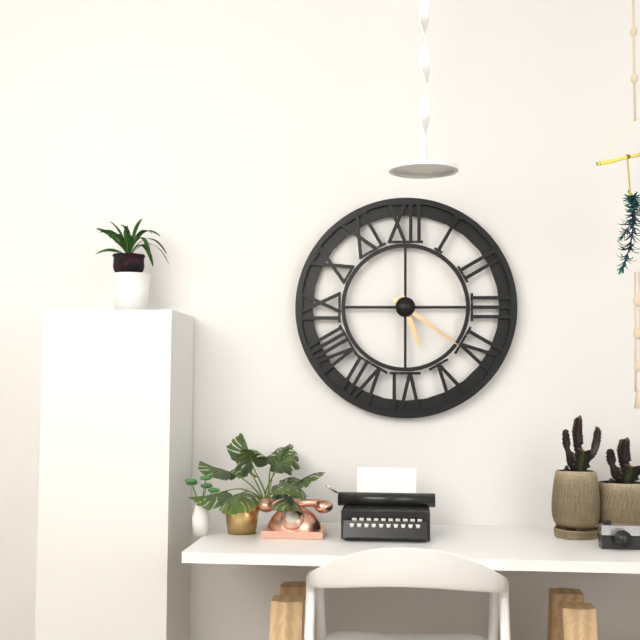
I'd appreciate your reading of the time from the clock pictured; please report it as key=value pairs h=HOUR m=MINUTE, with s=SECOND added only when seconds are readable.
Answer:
h=5 m=21
